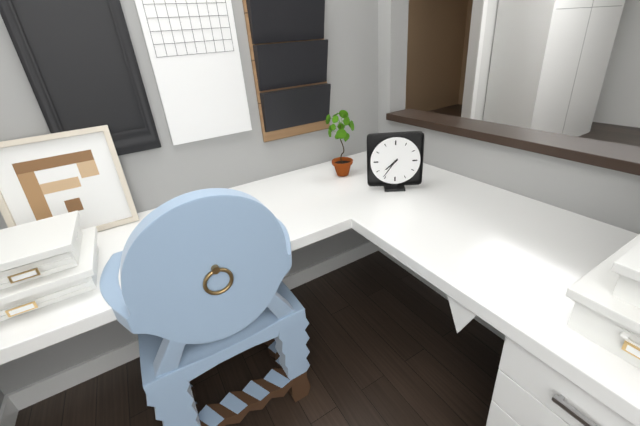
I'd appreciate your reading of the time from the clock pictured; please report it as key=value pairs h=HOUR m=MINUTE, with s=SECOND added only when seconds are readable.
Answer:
h=7 m=36
